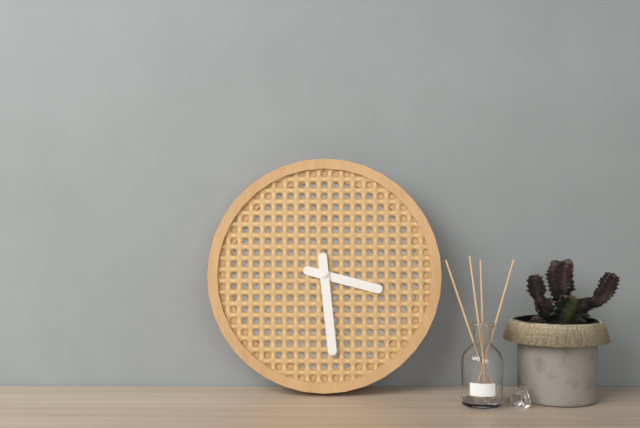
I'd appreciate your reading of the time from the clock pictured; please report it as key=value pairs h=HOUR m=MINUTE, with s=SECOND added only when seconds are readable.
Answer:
h=3 m=29
